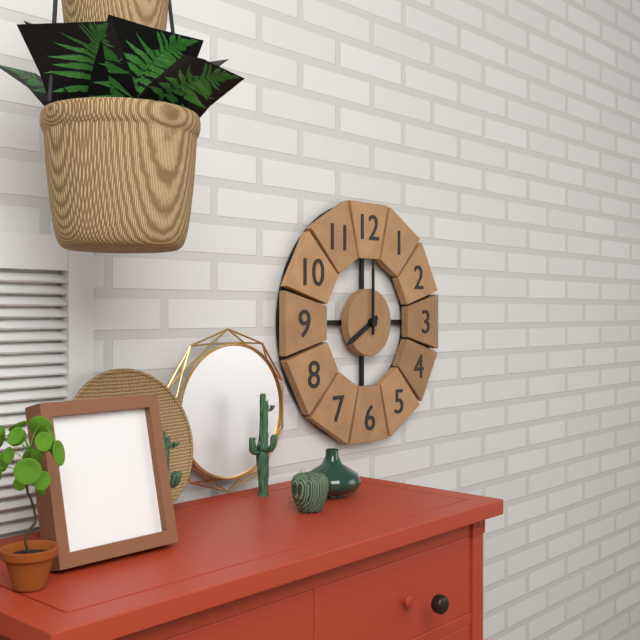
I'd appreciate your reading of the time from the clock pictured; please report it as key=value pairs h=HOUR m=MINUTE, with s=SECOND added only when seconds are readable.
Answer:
h=8 m=0
